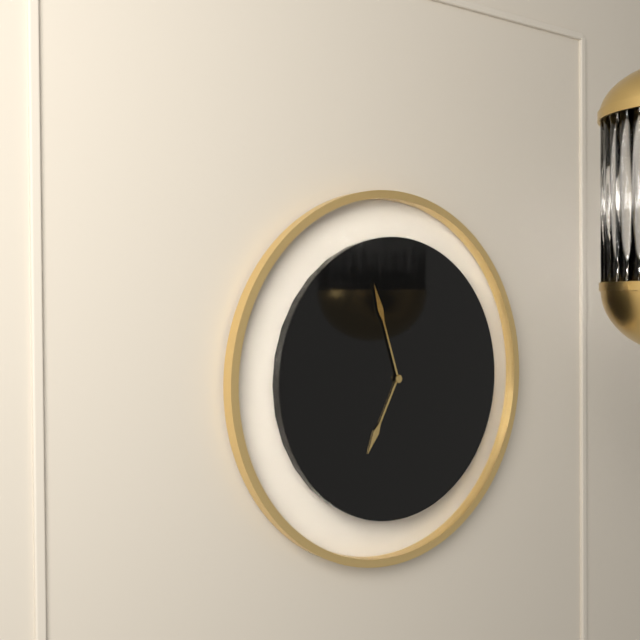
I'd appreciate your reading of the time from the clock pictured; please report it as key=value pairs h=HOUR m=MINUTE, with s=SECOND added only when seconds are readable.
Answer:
h=6 m=57
